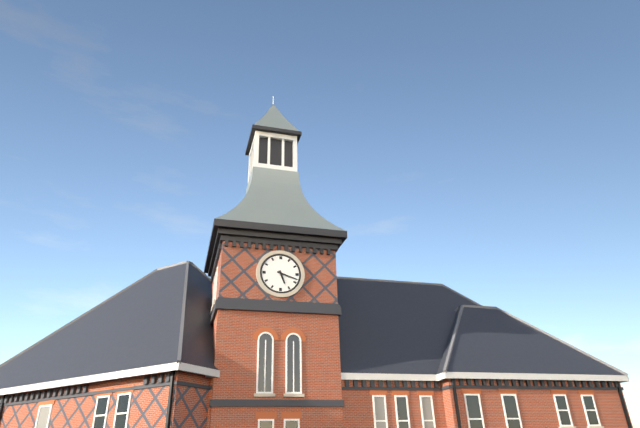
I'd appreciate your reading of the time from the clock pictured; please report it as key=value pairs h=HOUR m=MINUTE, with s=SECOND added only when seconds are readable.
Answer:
h=5 m=18
